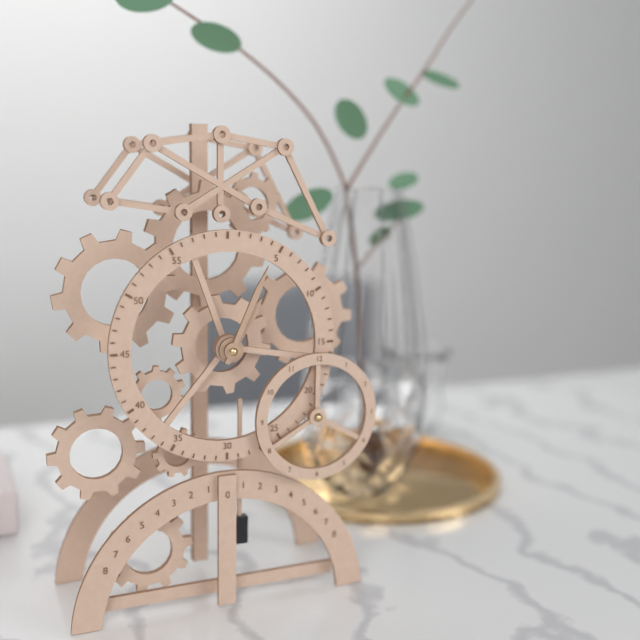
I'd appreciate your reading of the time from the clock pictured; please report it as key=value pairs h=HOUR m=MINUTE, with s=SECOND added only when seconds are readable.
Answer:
h=1 m=4
